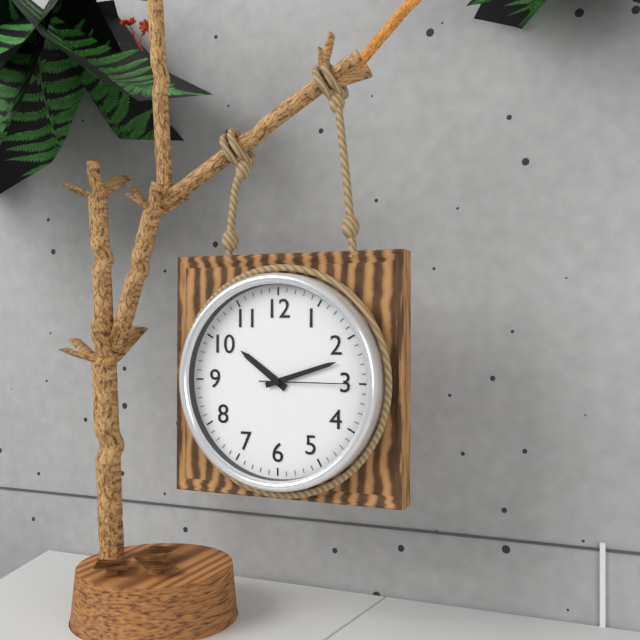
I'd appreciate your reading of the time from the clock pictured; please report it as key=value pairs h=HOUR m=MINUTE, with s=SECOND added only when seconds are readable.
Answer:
h=10 m=12 s=15
